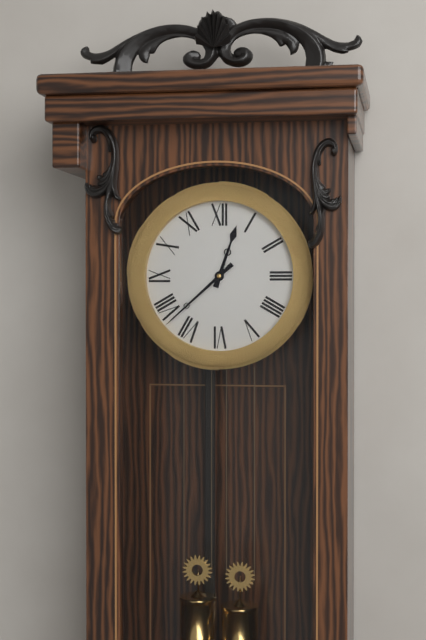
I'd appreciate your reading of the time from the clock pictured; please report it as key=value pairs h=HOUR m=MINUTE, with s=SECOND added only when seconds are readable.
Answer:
h=12 m=38
